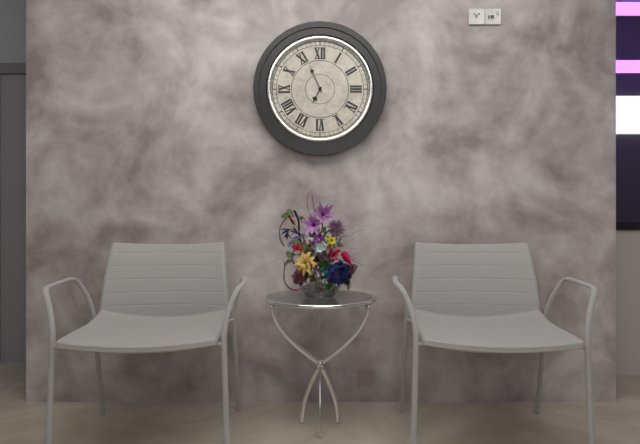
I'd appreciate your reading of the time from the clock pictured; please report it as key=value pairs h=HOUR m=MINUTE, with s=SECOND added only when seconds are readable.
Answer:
h=6 m=56
